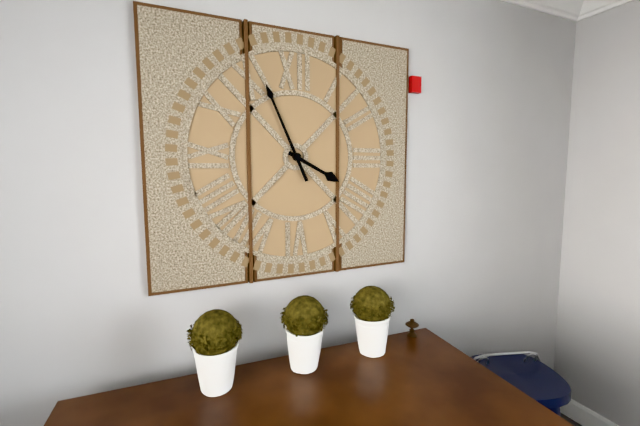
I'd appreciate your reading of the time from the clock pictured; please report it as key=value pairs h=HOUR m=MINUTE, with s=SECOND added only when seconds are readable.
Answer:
h=3 m=56
